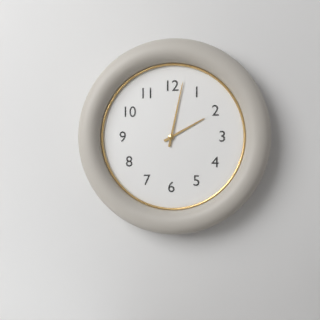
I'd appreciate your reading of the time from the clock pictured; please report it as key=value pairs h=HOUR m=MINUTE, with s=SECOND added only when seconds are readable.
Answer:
h=2 m=2
